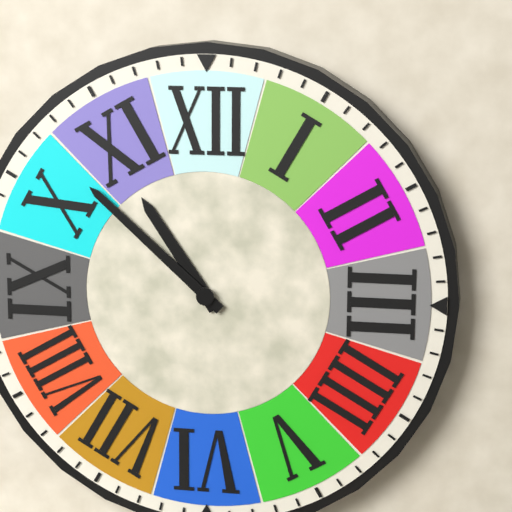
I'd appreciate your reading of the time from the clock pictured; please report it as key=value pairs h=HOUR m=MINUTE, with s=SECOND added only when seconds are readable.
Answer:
h=10 m=52
